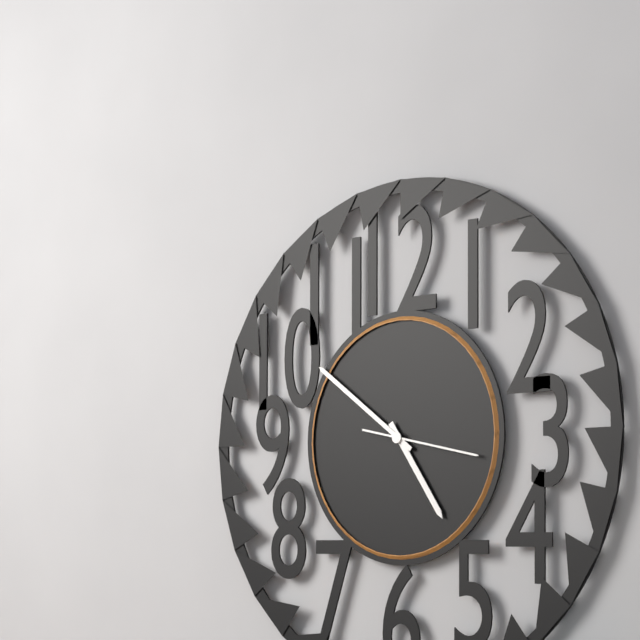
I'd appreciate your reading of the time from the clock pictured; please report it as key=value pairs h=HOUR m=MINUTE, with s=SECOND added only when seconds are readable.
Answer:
h=4 m=51 s=17
